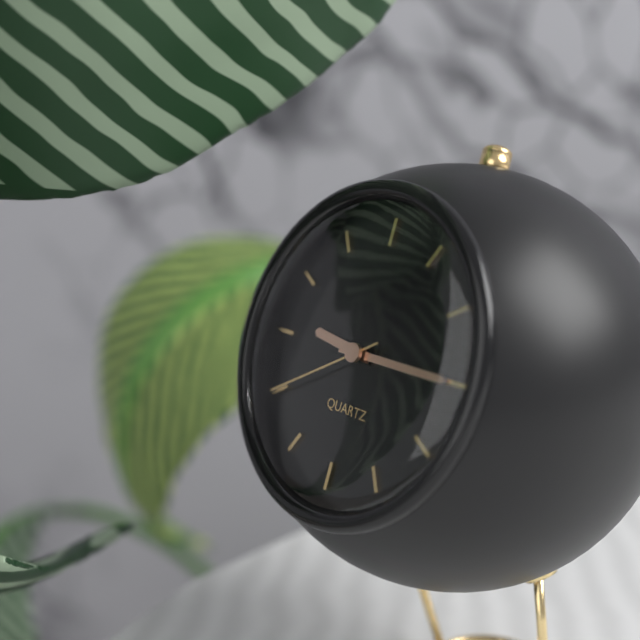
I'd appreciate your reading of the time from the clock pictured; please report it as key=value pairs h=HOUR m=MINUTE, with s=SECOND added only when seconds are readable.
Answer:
h=9 m=15 s=40
